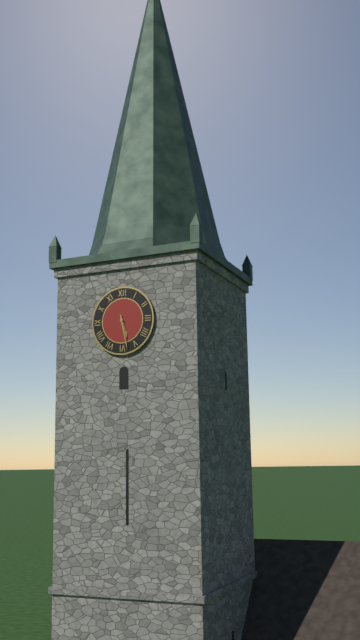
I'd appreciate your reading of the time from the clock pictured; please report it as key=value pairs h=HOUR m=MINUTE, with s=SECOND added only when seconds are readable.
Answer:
h=5 m=28
